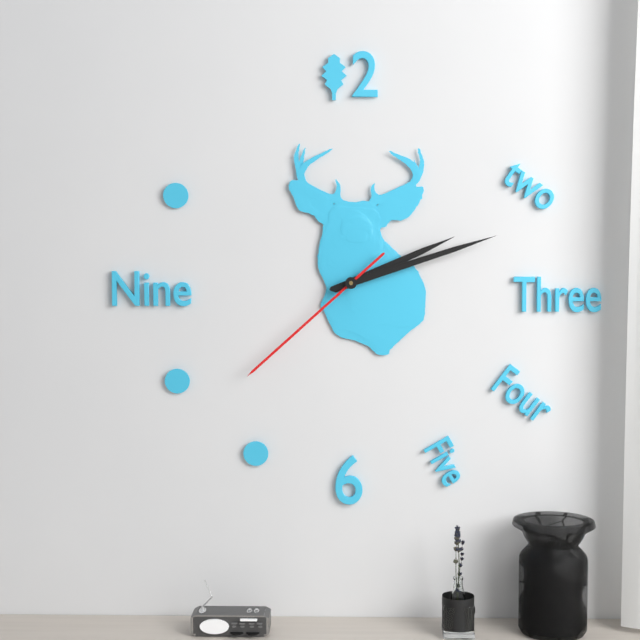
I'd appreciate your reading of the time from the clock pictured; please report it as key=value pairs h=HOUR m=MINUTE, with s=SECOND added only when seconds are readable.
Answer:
h=2 m=12 s=38
